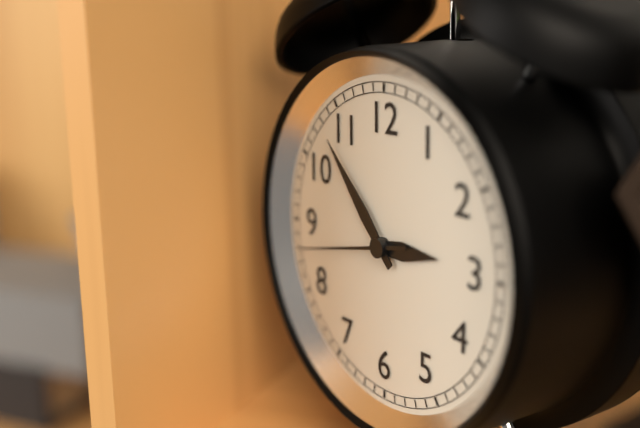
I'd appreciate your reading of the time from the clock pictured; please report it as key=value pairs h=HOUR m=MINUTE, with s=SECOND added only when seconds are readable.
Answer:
h=2 m=53 s=43
